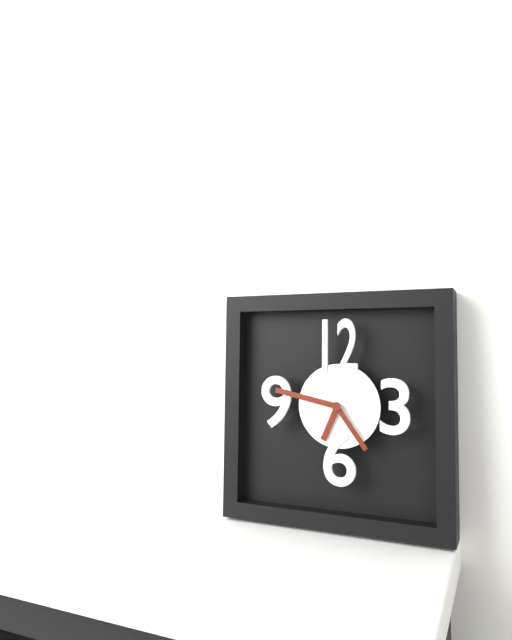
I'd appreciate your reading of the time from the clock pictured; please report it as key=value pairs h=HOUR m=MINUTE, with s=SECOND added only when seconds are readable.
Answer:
h=6 m=47 s=24
